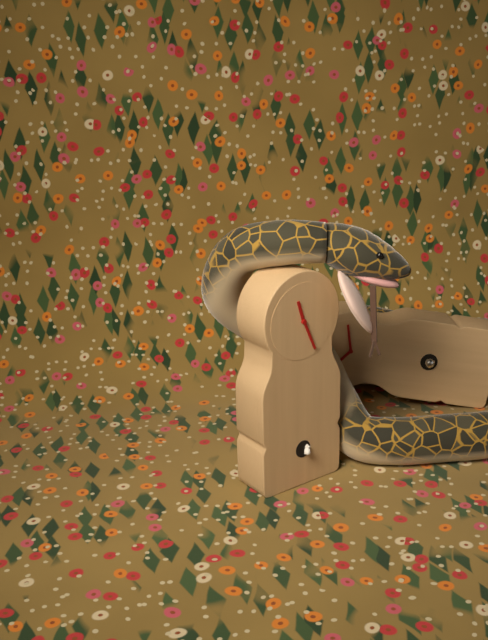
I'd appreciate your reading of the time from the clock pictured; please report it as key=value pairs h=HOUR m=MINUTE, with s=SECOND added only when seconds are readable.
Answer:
h=11 m=26
